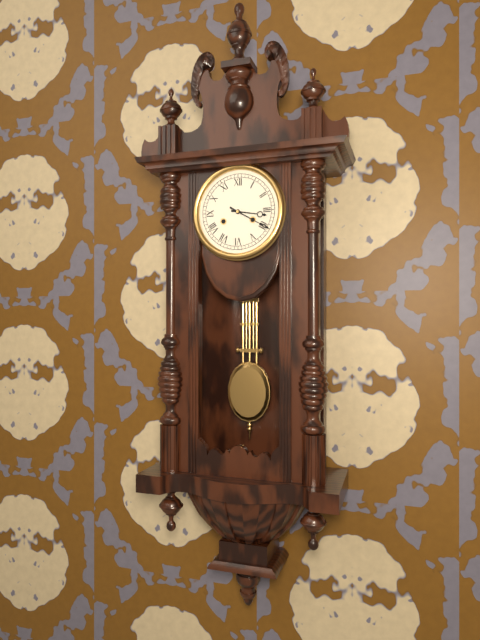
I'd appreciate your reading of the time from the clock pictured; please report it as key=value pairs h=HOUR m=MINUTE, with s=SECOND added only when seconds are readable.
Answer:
h=3 m=20
